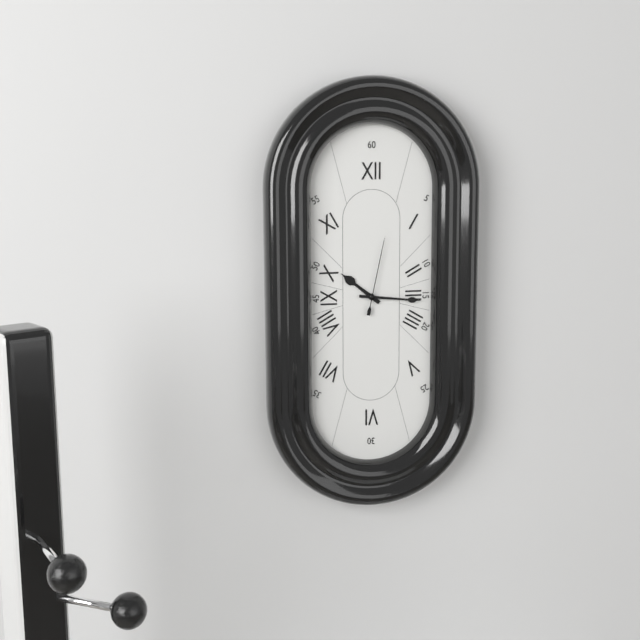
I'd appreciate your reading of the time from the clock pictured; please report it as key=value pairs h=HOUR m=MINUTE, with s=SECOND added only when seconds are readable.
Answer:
h=10 m=16 s=2
